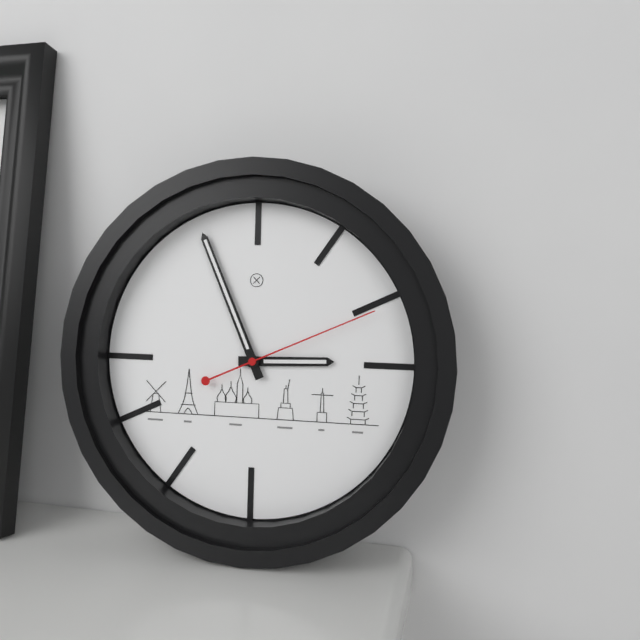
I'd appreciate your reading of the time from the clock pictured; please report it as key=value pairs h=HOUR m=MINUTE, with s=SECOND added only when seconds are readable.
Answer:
h=2 m=56 s=11
